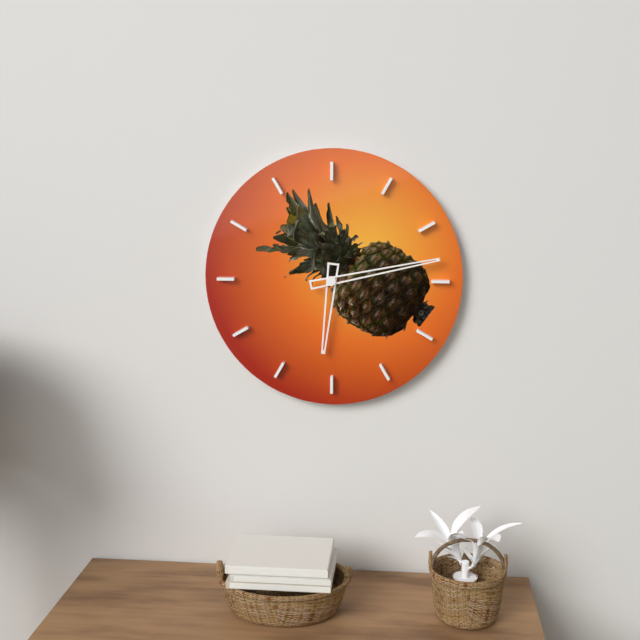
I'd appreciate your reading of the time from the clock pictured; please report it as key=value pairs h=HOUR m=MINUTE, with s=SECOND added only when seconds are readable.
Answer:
h=6 m=13
